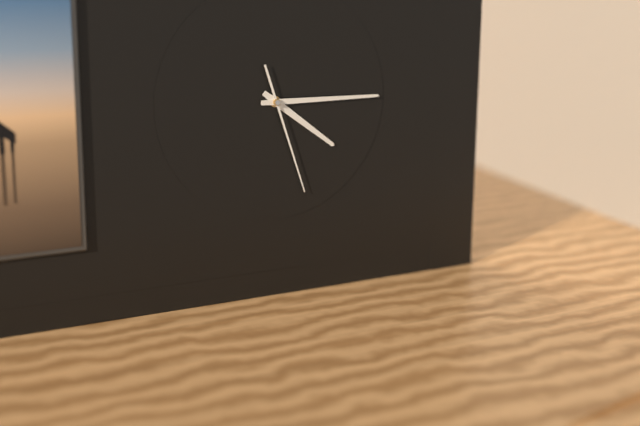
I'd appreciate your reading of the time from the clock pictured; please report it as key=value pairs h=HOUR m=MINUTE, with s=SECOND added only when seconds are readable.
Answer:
h=4 m=15 s=27
